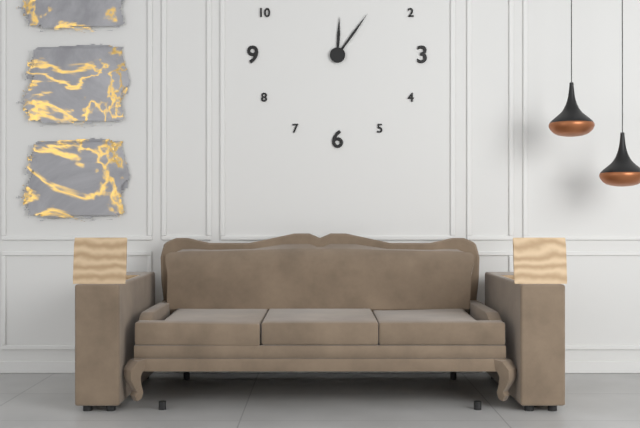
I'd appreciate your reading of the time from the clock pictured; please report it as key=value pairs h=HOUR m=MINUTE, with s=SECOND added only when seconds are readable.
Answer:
h=12 m=6
